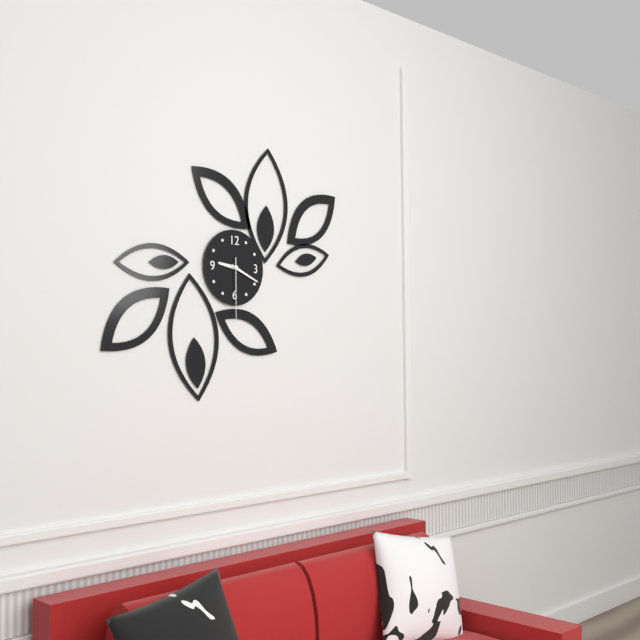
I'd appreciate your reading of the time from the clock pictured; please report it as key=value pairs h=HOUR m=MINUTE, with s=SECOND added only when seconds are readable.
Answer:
h=9 m=19 s=30
